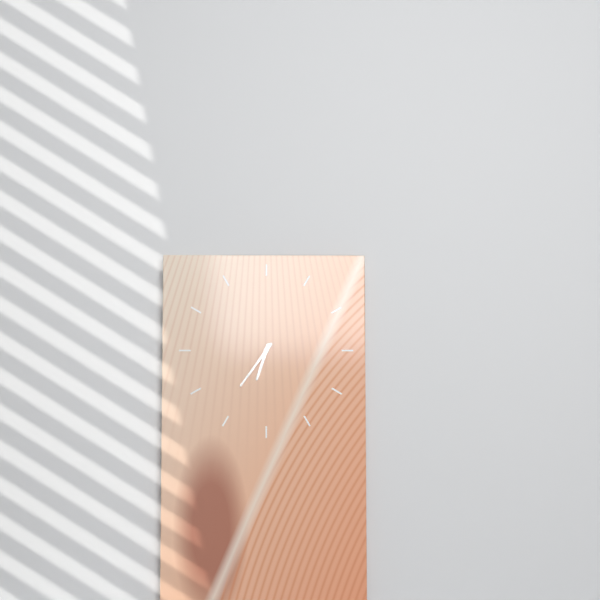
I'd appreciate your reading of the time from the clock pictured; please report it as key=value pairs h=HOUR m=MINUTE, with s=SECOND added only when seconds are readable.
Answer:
h=6 m=36
